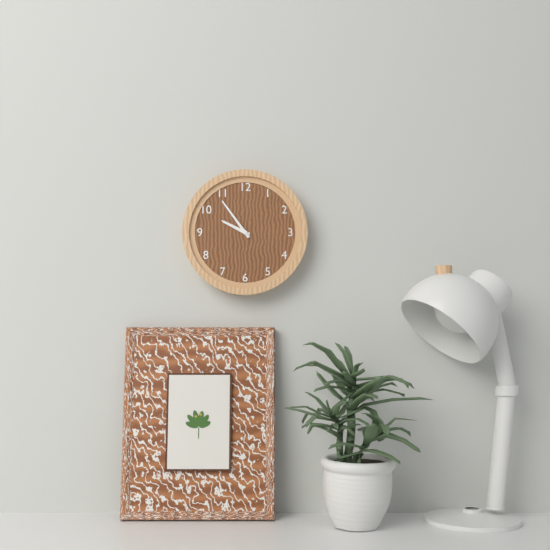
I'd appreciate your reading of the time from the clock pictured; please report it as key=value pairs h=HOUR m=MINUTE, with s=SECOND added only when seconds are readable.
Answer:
h=9 m=54
